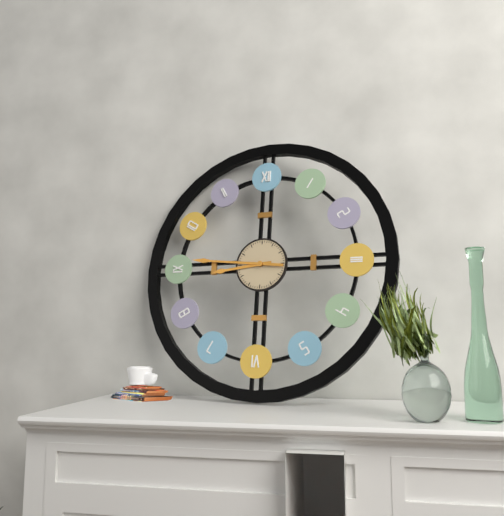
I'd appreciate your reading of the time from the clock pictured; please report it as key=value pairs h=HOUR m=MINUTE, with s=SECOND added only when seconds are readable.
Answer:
h=8 m=46
